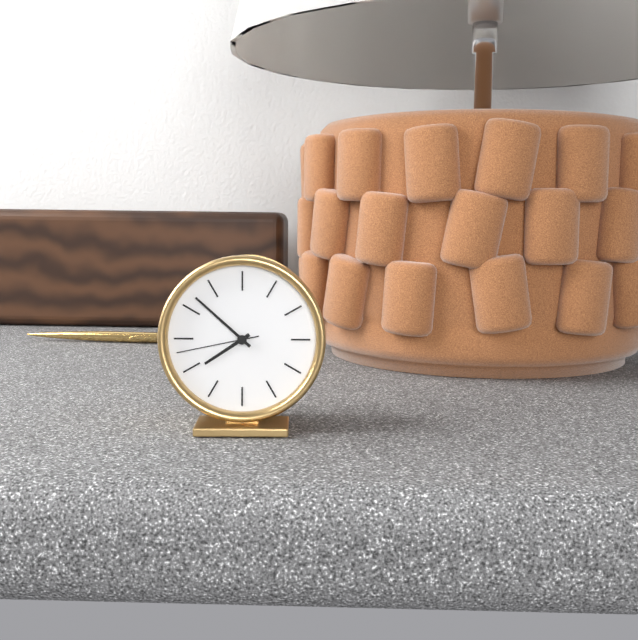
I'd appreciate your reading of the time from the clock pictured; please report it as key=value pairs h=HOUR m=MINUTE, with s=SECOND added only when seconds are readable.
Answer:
h=7 m=52 s=43
